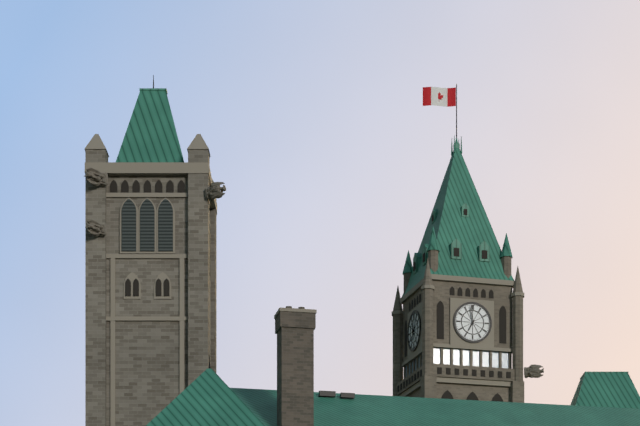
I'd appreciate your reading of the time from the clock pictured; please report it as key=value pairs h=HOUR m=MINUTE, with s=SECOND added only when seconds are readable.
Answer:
h=6 m=58
